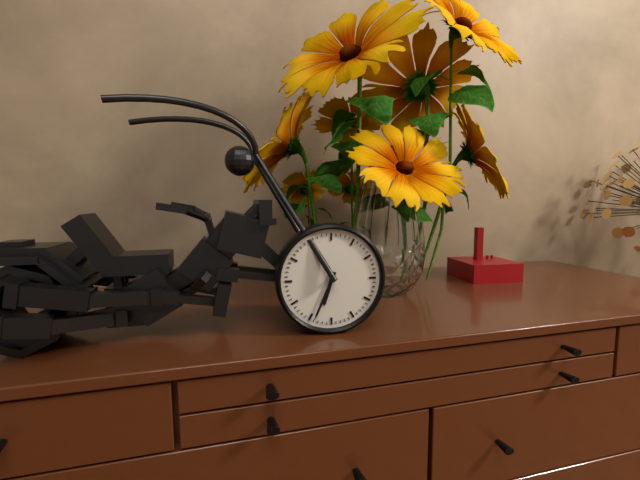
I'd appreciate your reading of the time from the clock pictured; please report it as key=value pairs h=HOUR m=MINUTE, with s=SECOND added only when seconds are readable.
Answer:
h=6 m=34
